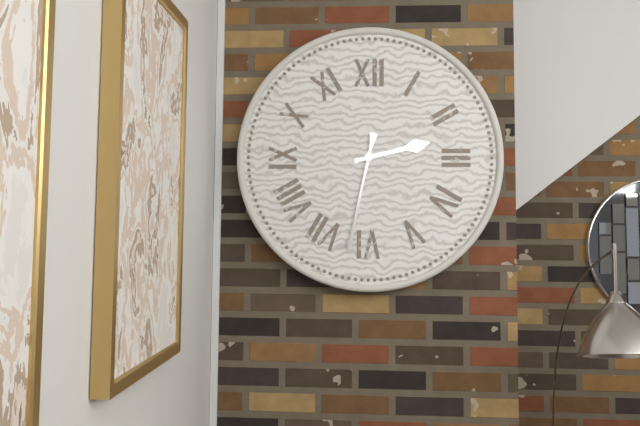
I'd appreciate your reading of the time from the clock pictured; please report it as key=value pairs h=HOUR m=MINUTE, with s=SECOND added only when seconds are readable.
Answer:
h=2 m=32
